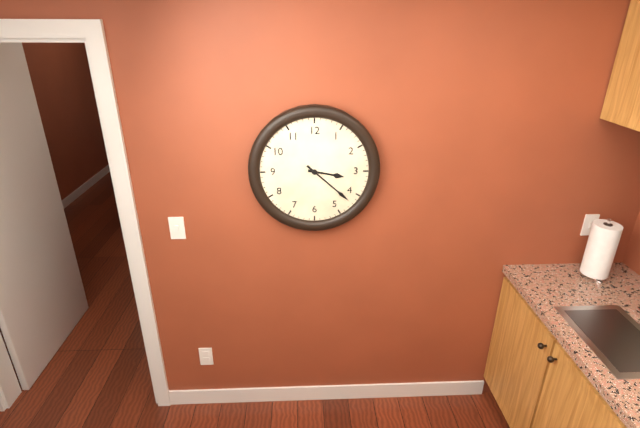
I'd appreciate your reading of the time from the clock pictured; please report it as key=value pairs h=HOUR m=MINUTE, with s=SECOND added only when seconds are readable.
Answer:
h=3 m=22
